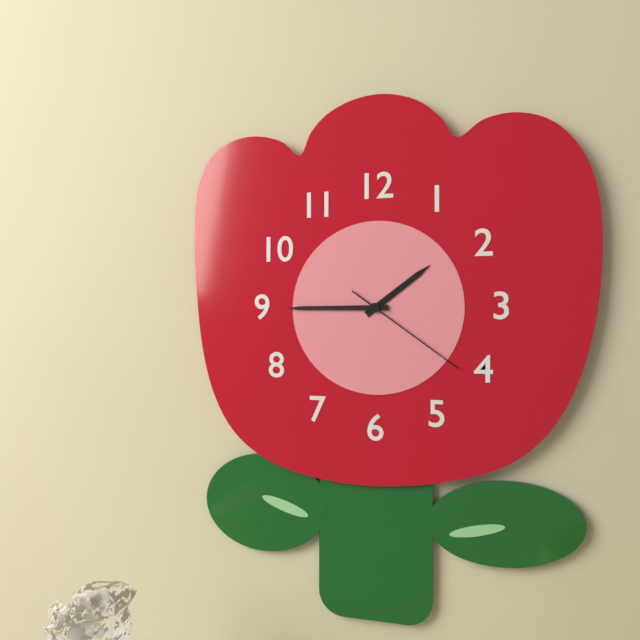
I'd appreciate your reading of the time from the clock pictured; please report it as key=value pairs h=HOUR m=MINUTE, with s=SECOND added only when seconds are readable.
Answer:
h=1 m=45 s=21
